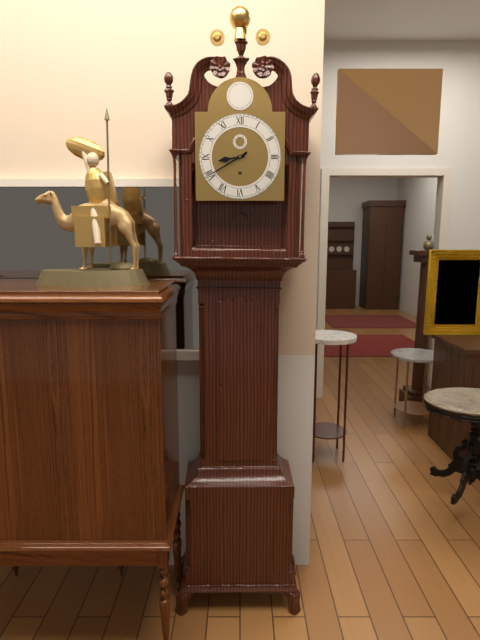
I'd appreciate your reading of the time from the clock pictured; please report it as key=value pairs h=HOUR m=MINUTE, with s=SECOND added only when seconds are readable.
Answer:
h=8 m=40
